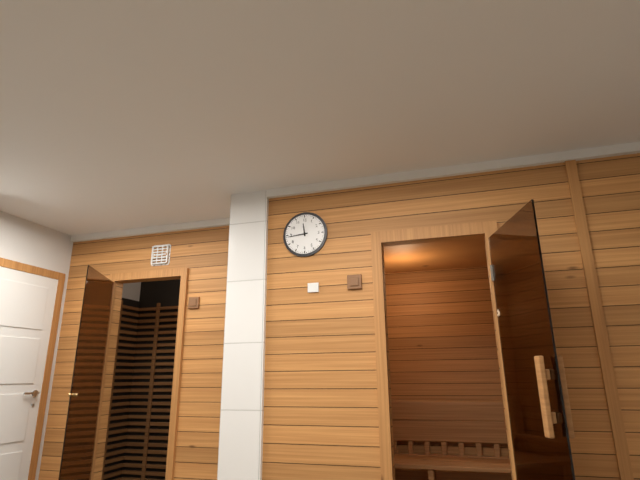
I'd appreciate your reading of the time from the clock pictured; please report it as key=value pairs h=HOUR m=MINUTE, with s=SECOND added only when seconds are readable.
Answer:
h=11 m=44
